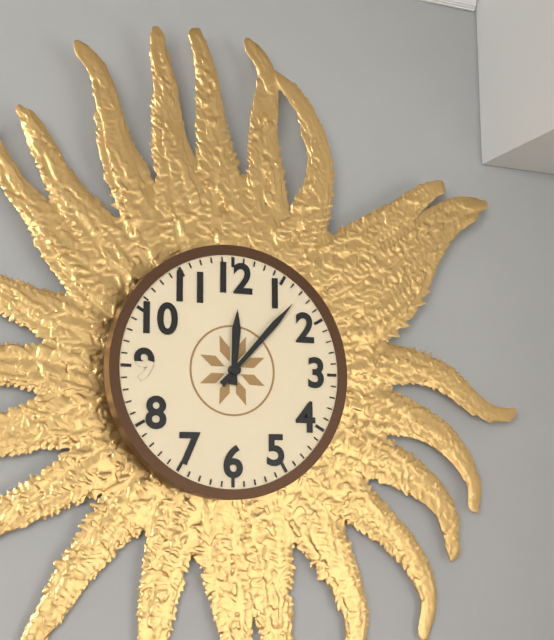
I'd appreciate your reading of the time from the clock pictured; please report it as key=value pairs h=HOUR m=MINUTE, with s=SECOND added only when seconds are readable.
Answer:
h=12 m=7
